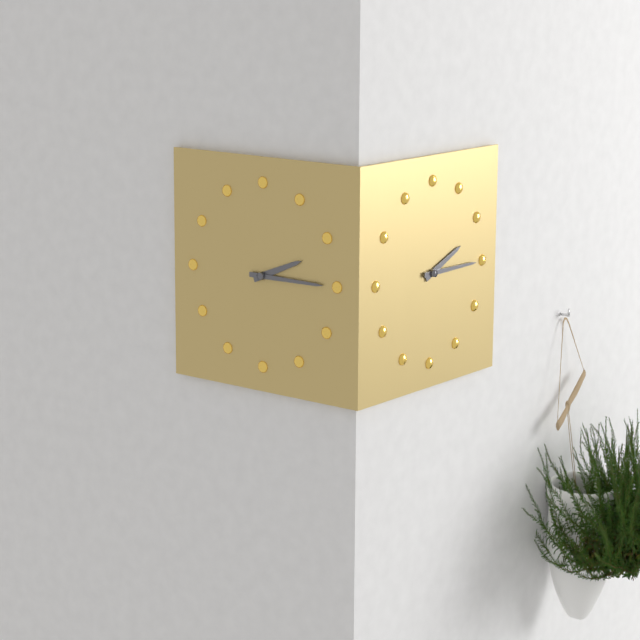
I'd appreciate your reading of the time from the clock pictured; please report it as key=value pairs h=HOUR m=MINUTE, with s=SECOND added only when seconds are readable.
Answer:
h=2 m=15
